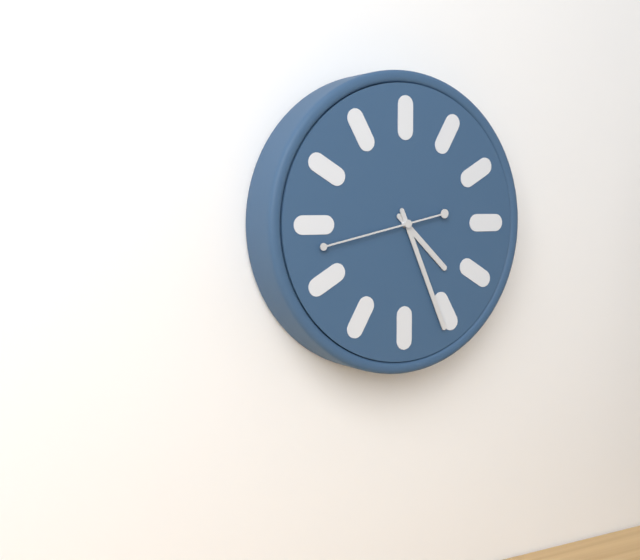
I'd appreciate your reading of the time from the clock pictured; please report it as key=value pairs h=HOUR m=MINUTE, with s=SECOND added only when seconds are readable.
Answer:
h=4 m=26 s=43
